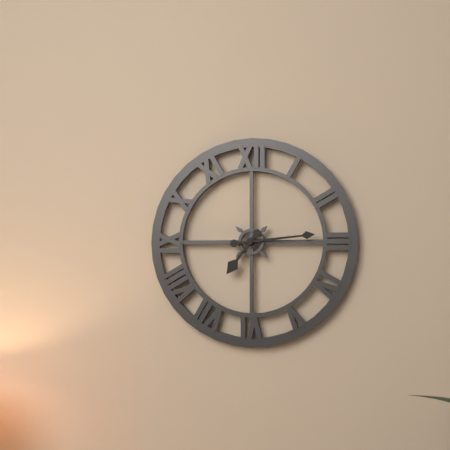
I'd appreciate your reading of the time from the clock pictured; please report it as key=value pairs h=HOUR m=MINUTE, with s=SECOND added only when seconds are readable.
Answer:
h=7 m=14
